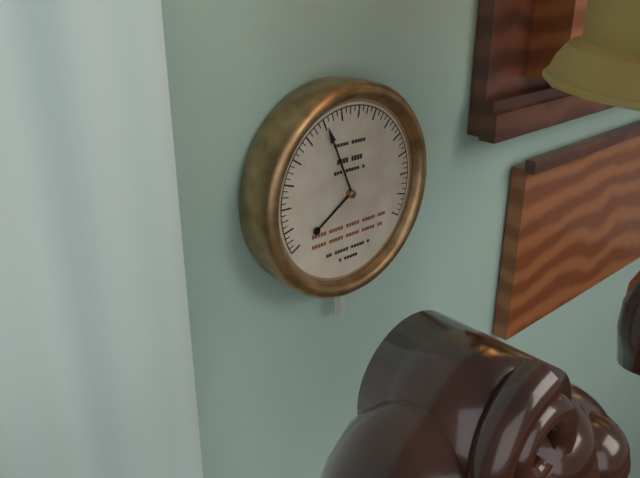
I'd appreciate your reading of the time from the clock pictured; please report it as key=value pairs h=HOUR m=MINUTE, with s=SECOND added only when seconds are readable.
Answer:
h=7 m=56
